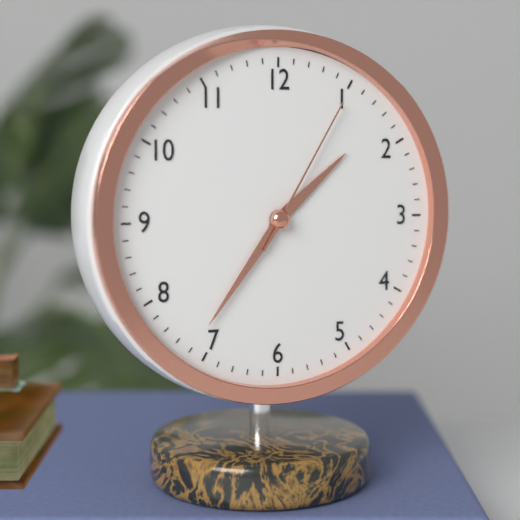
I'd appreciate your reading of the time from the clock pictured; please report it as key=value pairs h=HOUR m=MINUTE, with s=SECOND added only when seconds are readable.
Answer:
h=1 m=36 s=5
